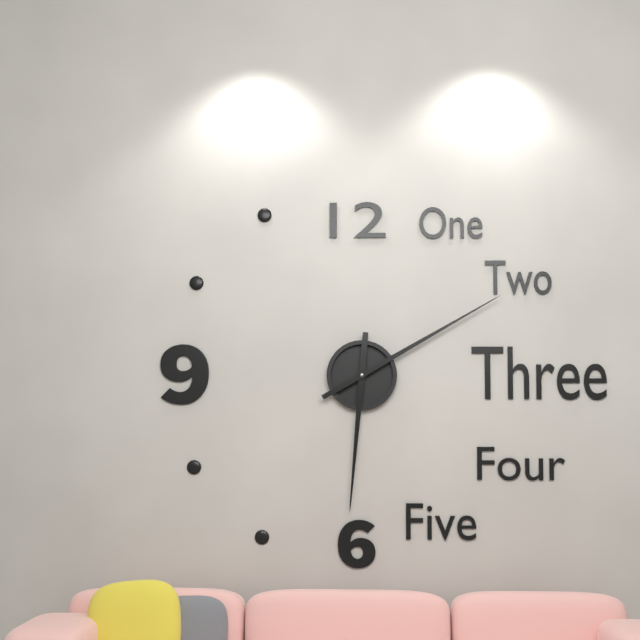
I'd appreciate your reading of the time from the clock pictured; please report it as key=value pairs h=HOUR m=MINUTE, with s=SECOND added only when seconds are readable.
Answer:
h=6 m=10
